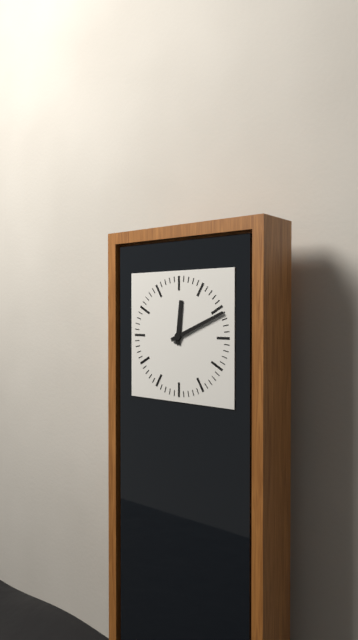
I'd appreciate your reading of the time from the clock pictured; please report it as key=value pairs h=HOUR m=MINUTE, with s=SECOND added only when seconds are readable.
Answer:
h=12 m=11
